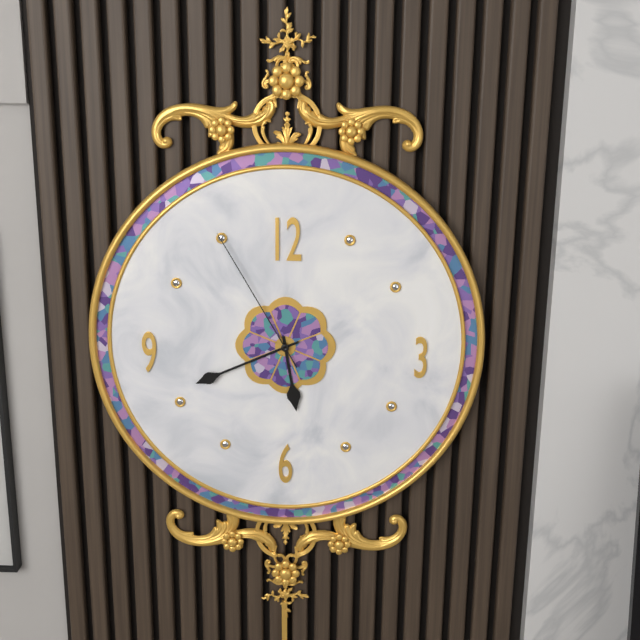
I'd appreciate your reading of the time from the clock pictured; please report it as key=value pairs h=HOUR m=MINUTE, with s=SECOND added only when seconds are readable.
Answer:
h=5 m=41 s=55
